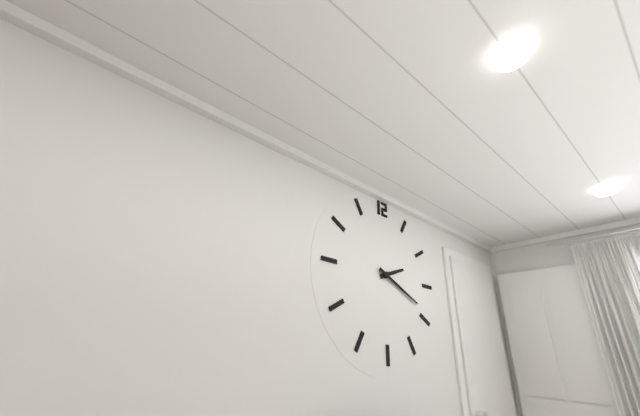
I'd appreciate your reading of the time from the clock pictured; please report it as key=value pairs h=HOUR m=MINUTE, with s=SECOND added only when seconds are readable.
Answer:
h=2 m=19
